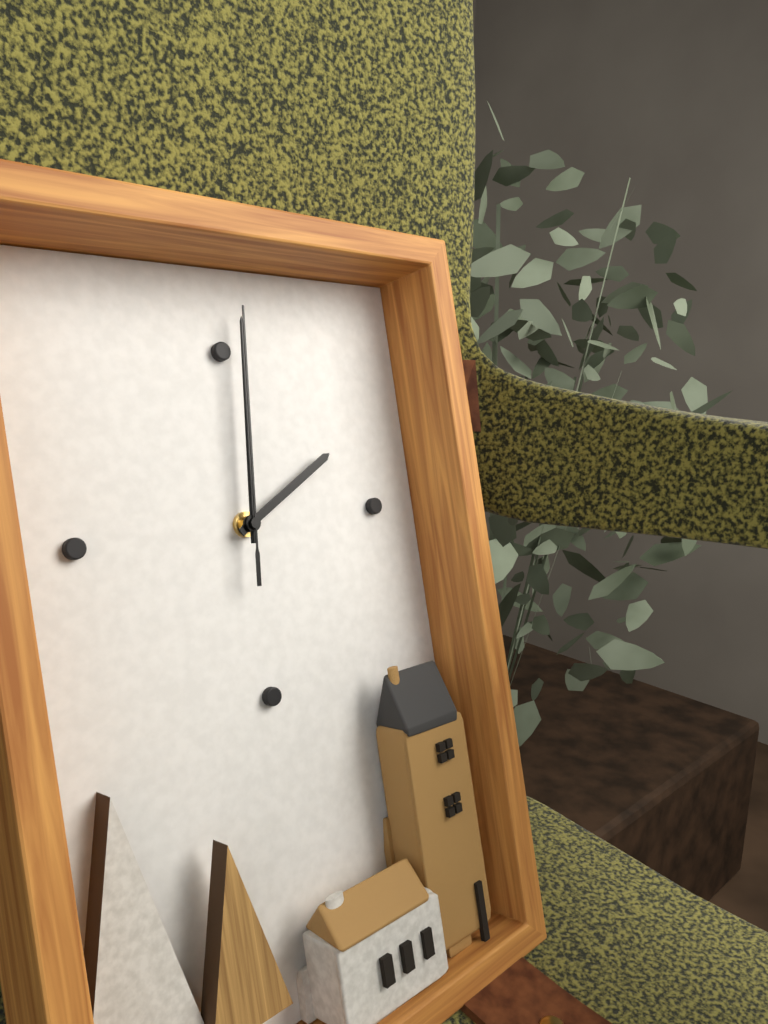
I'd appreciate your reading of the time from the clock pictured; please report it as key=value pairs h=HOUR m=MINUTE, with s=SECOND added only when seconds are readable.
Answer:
h=2 m=1 s=1
